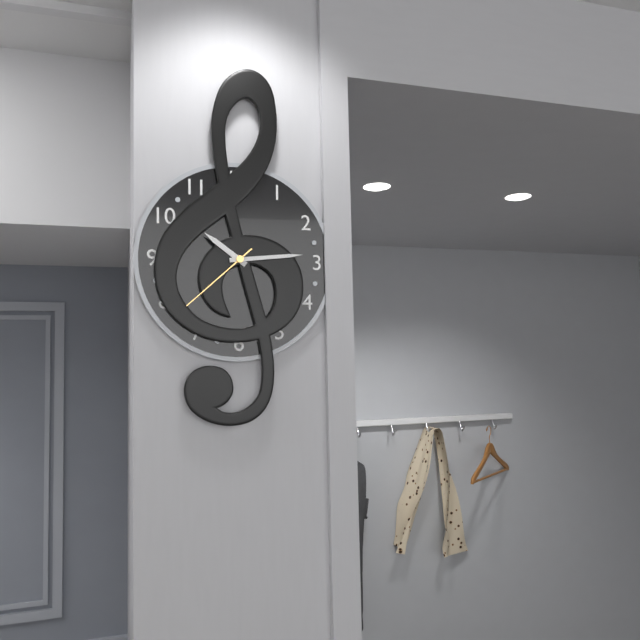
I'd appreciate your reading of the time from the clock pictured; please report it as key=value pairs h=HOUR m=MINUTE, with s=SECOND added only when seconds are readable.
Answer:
h=10 m=14 s=38
